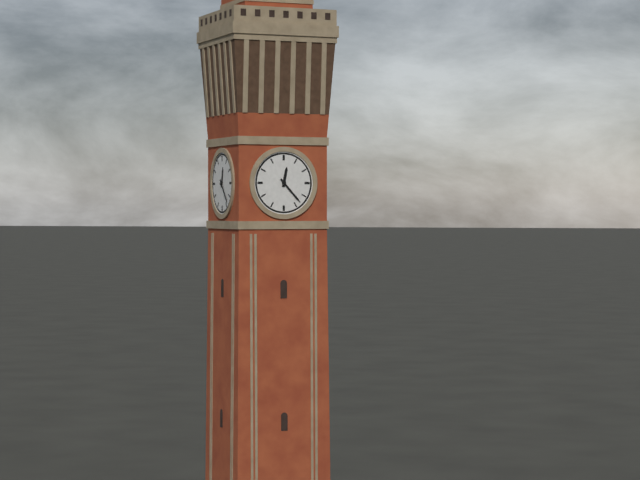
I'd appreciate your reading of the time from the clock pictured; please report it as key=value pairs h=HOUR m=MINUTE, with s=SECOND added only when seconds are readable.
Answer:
h=12 m=23
